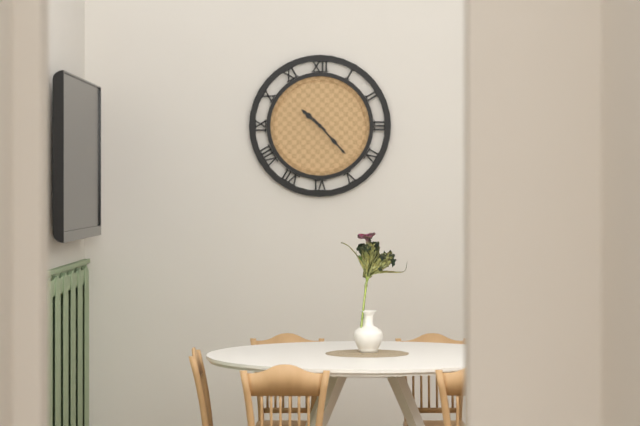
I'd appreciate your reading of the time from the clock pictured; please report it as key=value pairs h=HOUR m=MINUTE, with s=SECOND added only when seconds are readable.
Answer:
h=10 m=23
